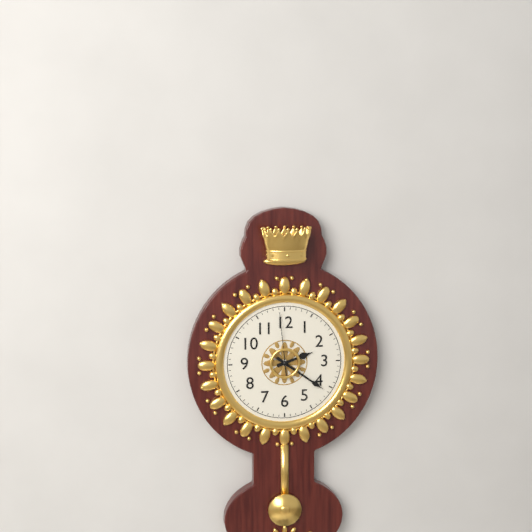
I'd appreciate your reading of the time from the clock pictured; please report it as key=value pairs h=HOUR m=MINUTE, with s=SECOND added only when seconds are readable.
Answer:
h=2 m=21 s=59
